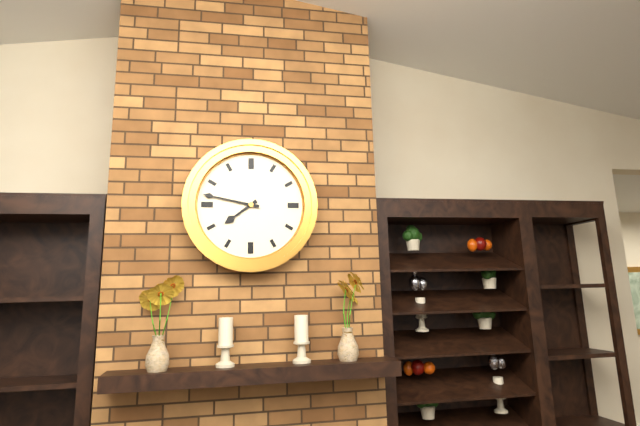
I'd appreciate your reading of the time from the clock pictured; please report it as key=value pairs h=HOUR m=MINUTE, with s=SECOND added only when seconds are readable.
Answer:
h=7 m=47
